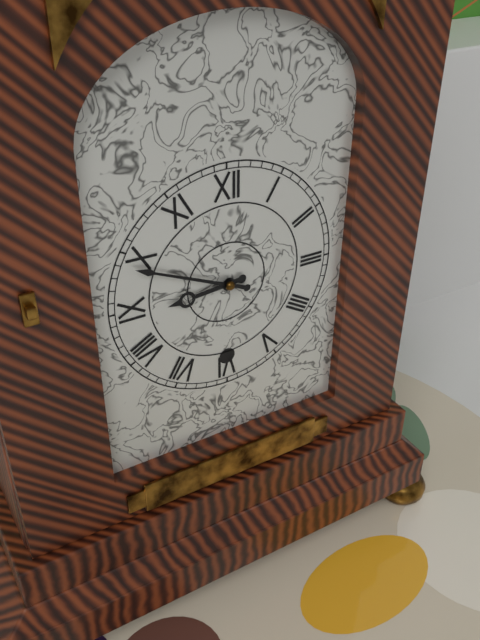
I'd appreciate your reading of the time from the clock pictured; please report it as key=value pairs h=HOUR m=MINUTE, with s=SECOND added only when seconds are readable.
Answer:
h=8 m=49
